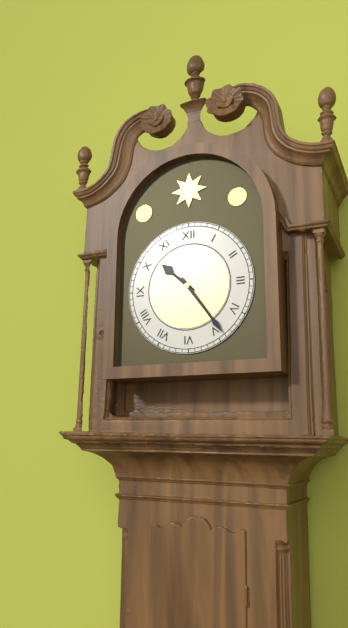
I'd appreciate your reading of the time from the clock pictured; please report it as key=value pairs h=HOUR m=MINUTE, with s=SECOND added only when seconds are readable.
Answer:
h=10 m=24
